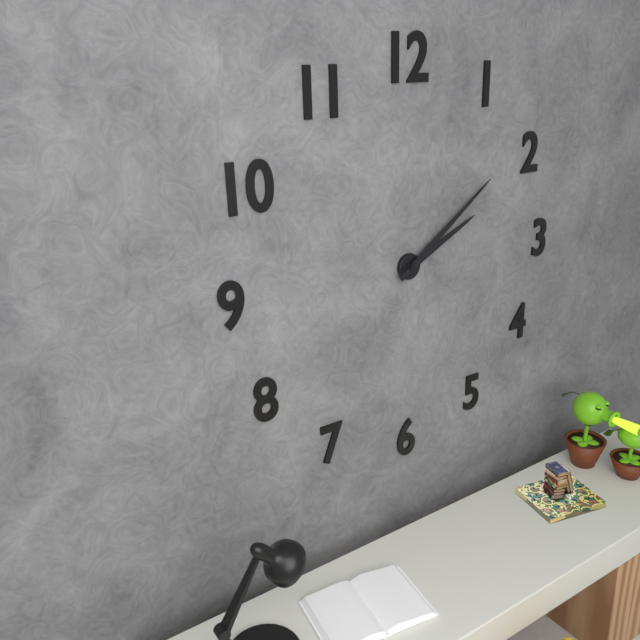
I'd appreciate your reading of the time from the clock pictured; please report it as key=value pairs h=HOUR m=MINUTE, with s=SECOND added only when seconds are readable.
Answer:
h=2 m=9
